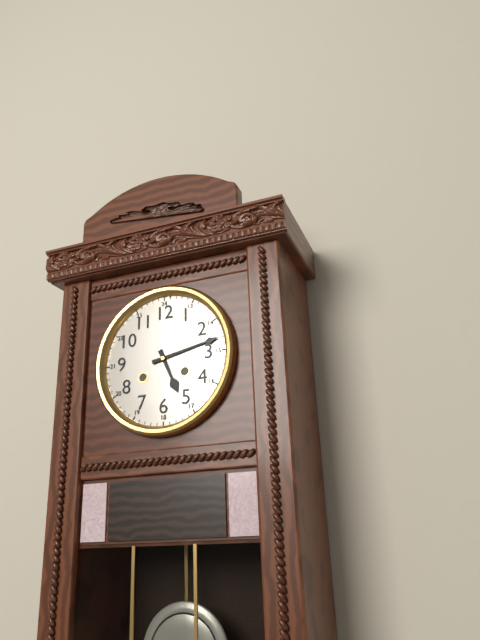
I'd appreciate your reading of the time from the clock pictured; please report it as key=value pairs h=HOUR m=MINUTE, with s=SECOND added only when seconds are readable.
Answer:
h=5 m=13
